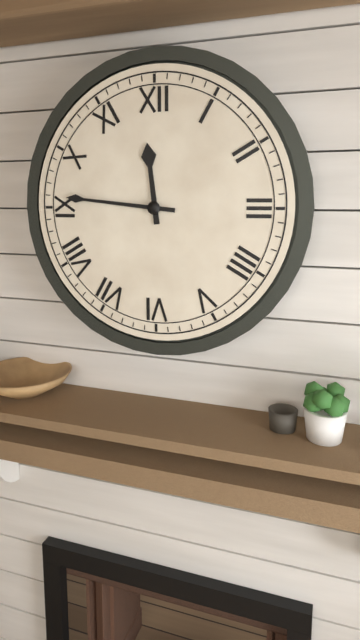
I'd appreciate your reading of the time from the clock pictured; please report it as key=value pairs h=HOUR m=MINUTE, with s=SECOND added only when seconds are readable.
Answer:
h=11 m=46
